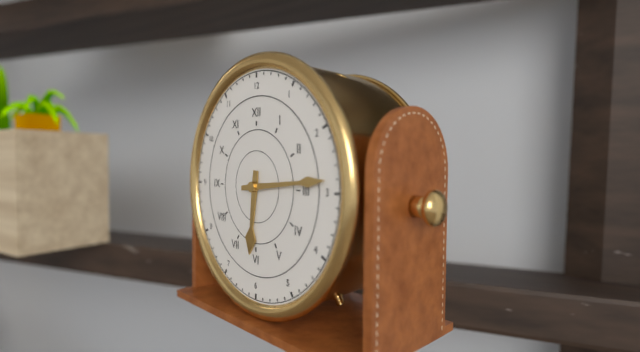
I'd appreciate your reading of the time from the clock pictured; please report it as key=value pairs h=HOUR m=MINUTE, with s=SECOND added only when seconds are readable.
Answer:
h=6 m=14
